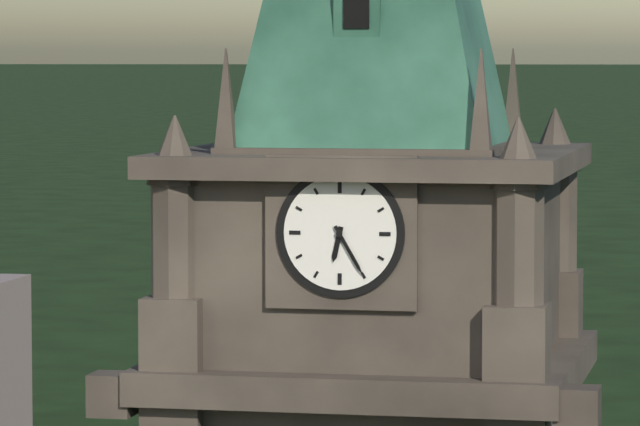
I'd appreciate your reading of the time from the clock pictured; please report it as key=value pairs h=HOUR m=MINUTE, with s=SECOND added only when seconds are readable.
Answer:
h=6 m=25
